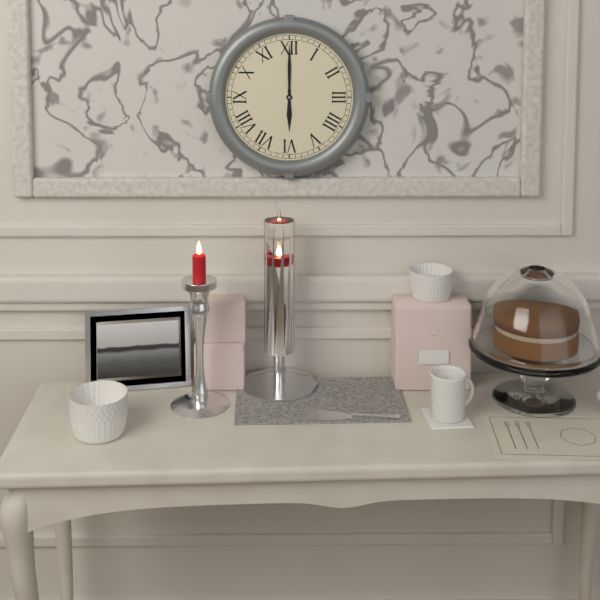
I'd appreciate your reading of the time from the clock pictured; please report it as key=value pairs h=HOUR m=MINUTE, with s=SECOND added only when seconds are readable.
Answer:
h=6 m=0
